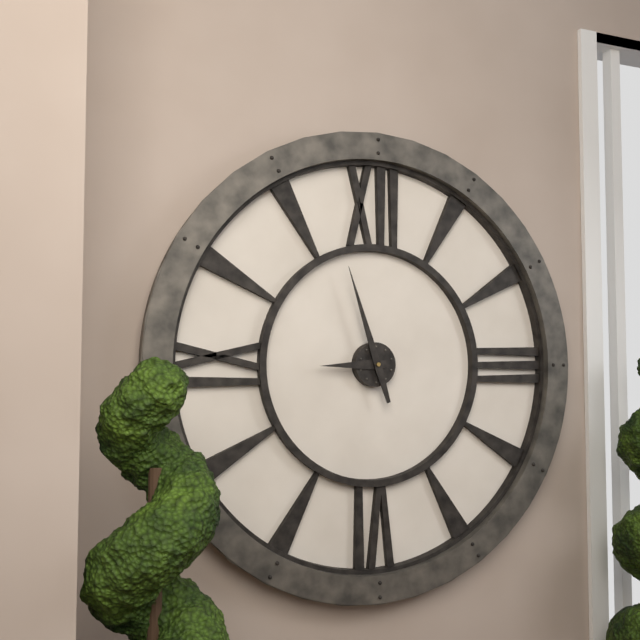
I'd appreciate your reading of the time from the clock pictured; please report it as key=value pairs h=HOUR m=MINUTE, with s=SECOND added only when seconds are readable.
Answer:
h=8 m=57
